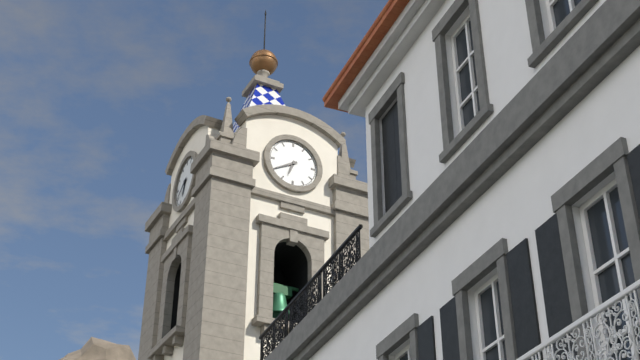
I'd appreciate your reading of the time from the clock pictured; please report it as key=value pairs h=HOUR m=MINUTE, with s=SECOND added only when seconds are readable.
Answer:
h=6 m=40
